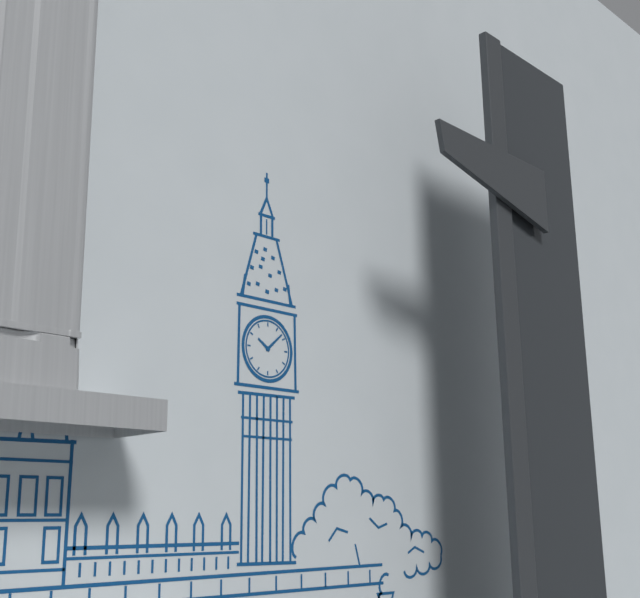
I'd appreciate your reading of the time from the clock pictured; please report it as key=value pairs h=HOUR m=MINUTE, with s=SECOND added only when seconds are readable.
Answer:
h=10 m=8
